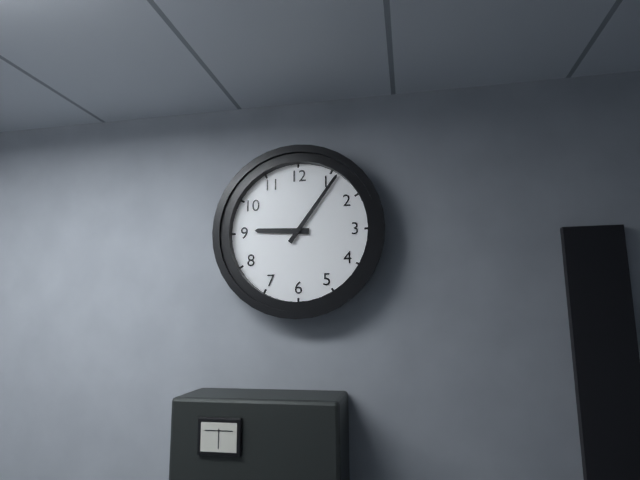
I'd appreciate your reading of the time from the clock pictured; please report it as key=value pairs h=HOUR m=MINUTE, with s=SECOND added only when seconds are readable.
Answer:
h=9 m=6
